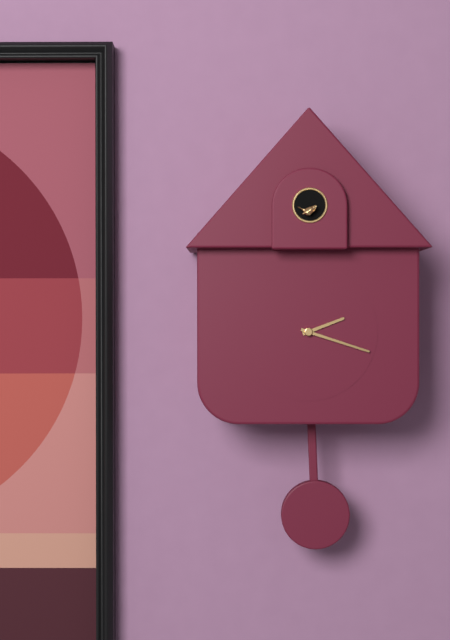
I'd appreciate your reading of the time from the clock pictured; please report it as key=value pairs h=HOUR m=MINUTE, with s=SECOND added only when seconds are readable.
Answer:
h=2 m=18
